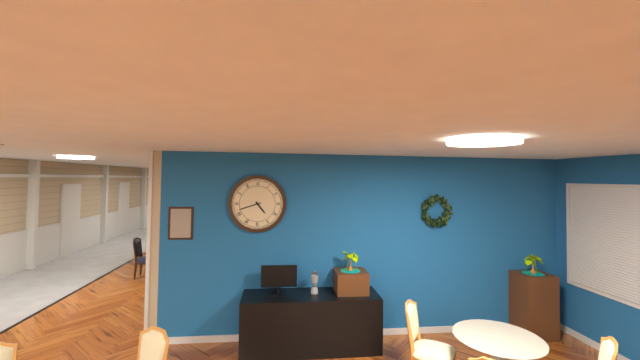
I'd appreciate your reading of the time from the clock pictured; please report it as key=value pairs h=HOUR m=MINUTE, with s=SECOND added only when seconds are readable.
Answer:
h=4 m=42
